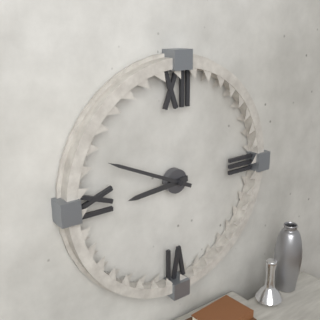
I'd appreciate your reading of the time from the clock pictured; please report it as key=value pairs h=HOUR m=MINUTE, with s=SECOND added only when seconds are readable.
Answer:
h=8 m=49
